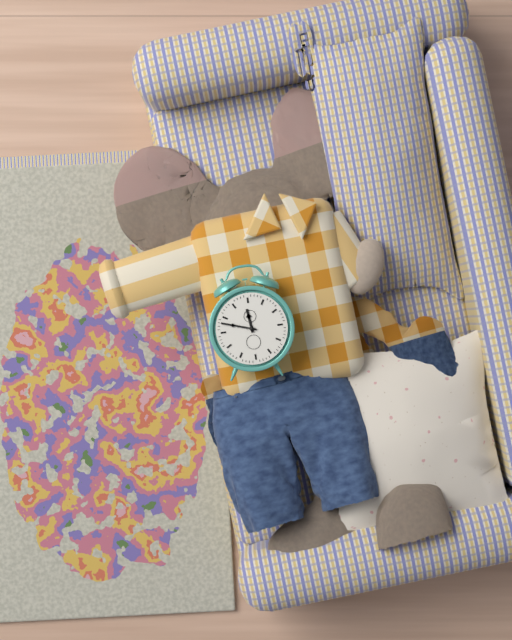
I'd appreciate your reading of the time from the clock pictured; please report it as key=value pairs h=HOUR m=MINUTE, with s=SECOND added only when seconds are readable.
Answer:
h=11 m=48
